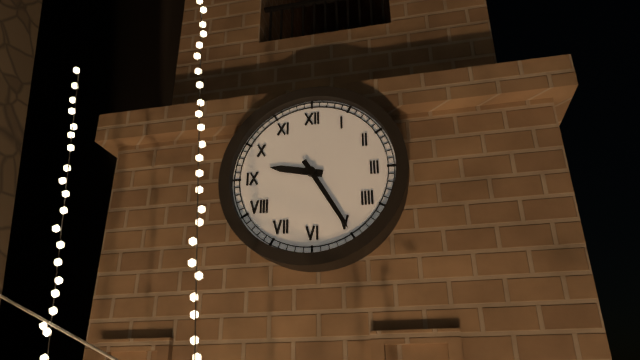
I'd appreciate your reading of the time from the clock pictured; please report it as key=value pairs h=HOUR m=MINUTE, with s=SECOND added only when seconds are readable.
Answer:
h=9 m=25
